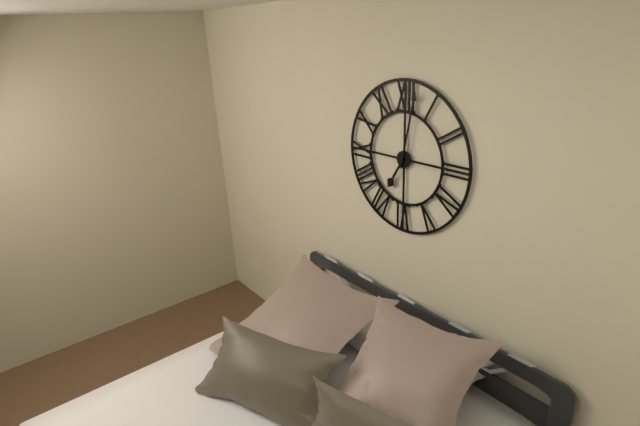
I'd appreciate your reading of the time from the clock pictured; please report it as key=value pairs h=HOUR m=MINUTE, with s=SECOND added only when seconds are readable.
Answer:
h=7 m=2
